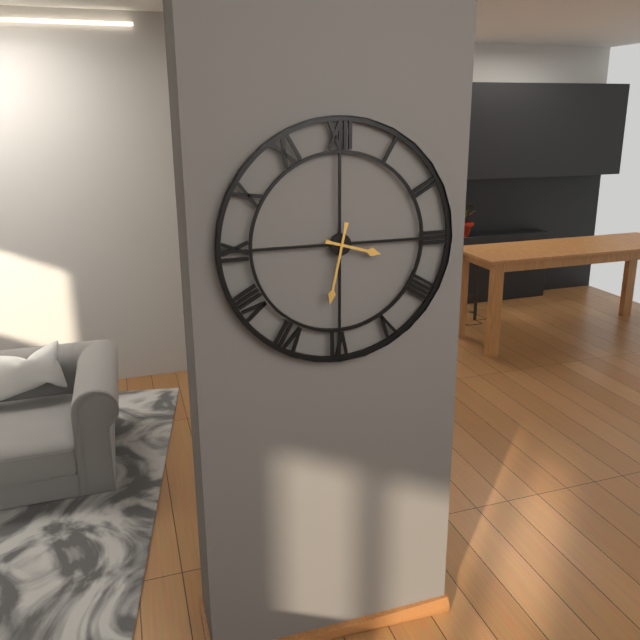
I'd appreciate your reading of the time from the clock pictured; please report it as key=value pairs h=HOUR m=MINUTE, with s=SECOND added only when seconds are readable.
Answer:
h=3 m=32
